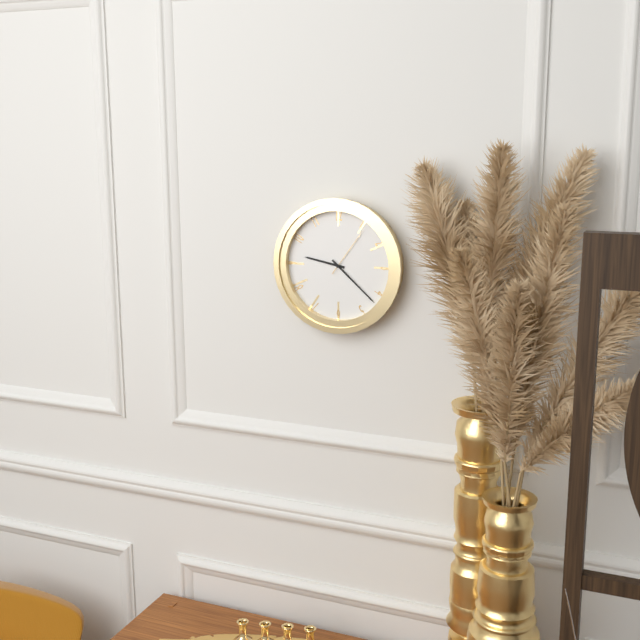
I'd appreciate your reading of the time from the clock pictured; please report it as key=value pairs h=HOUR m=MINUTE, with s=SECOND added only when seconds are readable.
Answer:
h=9 m=22 s=6
